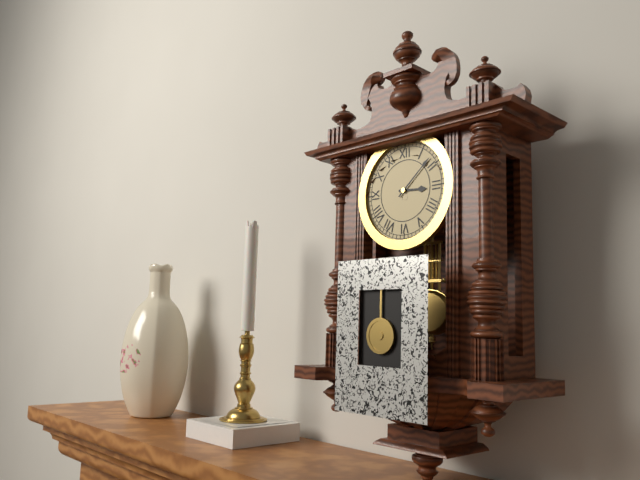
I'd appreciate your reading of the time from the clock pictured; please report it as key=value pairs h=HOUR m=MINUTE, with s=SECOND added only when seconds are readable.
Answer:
h=3 m=8
